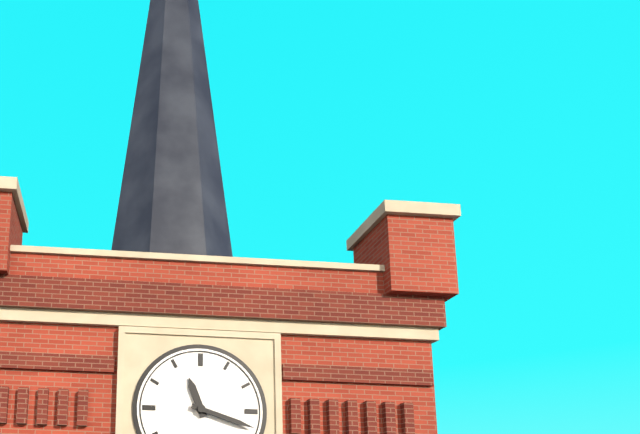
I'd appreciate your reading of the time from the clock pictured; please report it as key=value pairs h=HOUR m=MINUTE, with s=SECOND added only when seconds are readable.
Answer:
h=11 m=18
